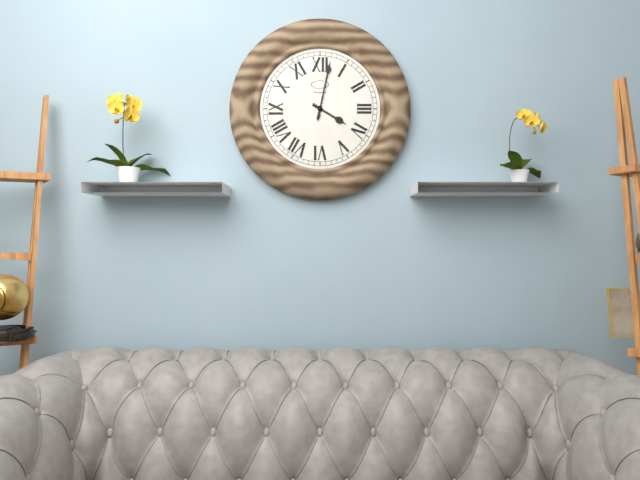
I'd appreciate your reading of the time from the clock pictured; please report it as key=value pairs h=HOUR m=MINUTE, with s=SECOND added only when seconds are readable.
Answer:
h=4 m=2
